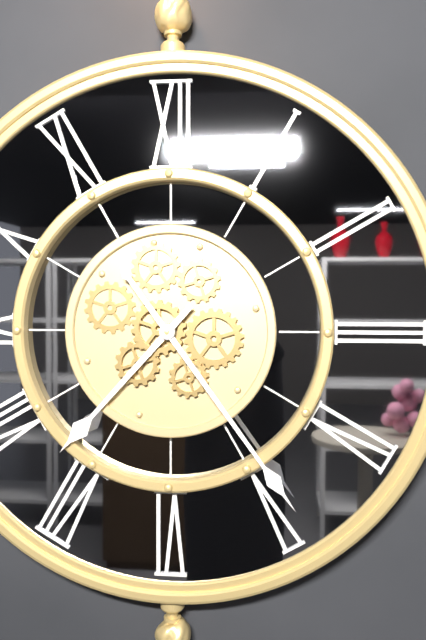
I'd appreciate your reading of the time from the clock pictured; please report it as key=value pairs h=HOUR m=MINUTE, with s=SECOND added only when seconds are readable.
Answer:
h=7 m=24
